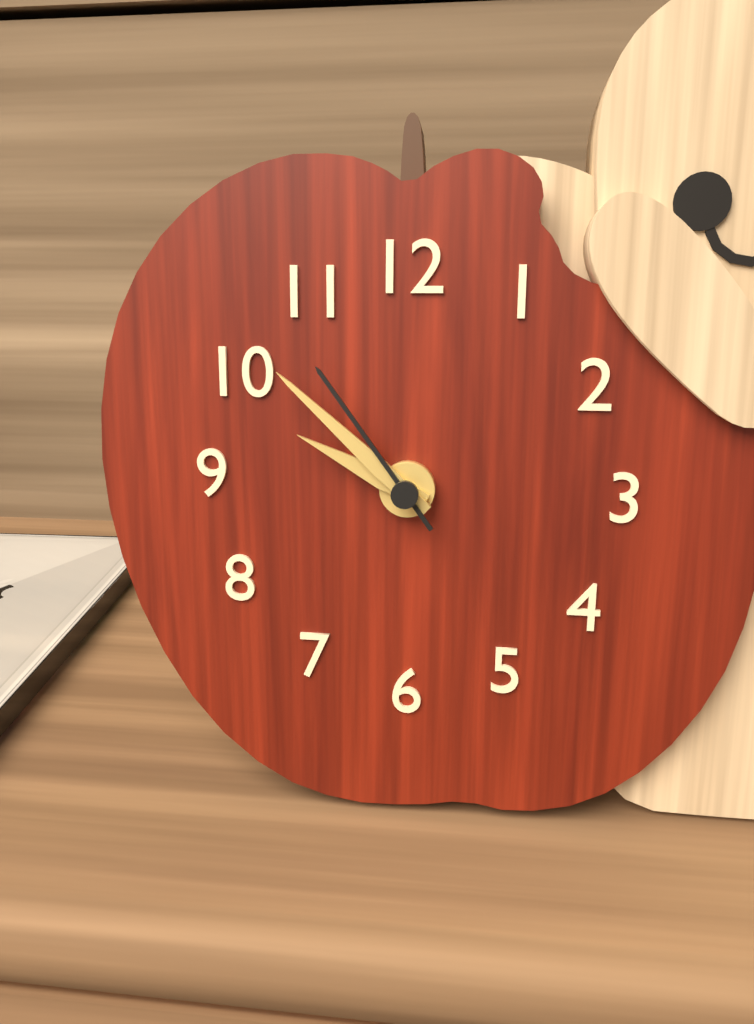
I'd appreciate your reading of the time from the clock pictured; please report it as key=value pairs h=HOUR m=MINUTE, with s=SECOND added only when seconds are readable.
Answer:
h=9 m=52 s=54
